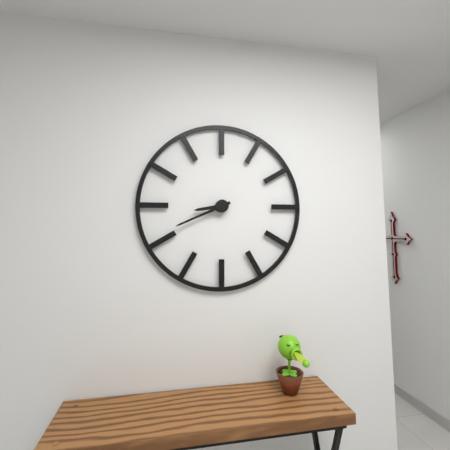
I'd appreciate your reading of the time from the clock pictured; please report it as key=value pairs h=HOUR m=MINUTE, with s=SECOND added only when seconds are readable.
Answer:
h=8 m=41
